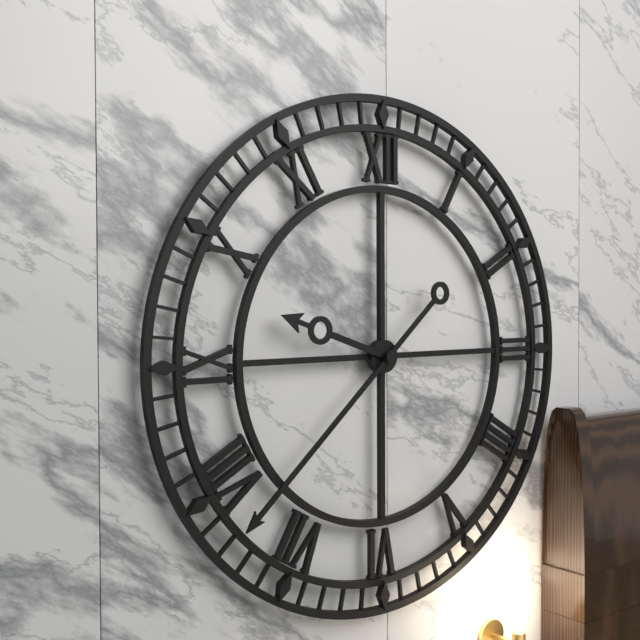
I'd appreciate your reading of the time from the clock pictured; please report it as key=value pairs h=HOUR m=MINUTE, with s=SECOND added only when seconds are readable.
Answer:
h=9 m=38
